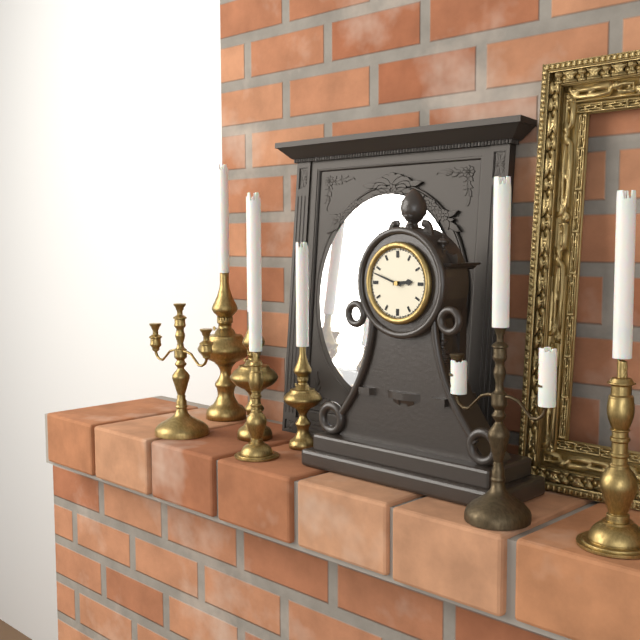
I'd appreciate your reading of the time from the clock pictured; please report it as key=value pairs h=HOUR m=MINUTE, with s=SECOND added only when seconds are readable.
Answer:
h=2 m=48
